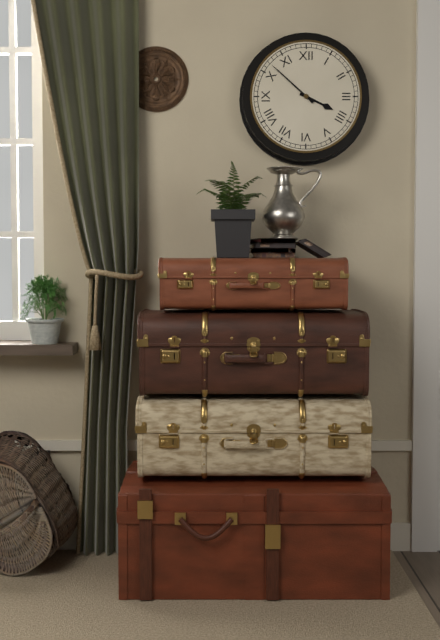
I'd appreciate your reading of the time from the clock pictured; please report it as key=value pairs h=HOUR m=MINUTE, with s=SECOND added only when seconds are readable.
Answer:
h=3 m=52
